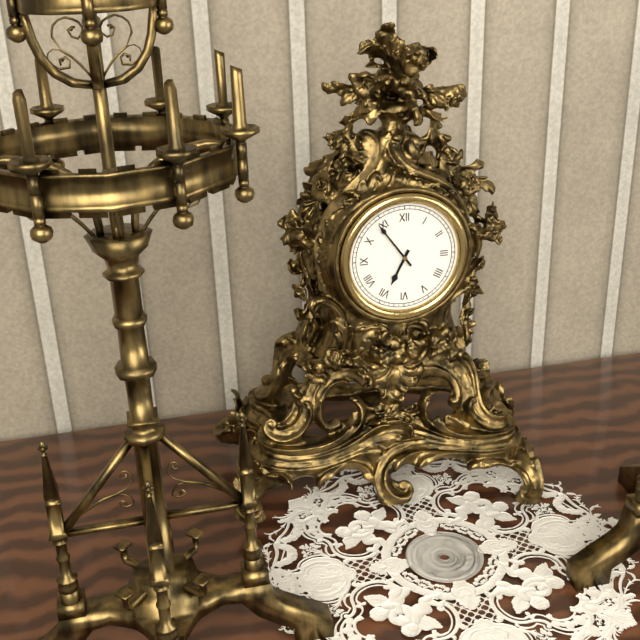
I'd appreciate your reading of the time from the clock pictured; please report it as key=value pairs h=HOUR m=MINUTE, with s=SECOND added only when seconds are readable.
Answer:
h=6 m=54
